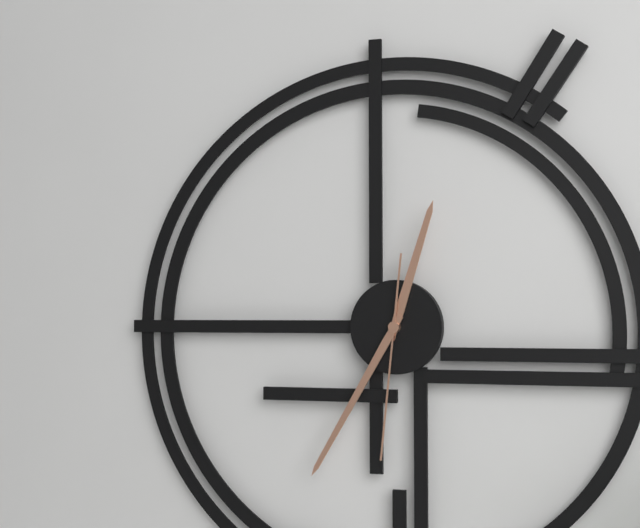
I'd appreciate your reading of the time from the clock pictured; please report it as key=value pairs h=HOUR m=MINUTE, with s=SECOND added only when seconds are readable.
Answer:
h=12 m=35 s=31
